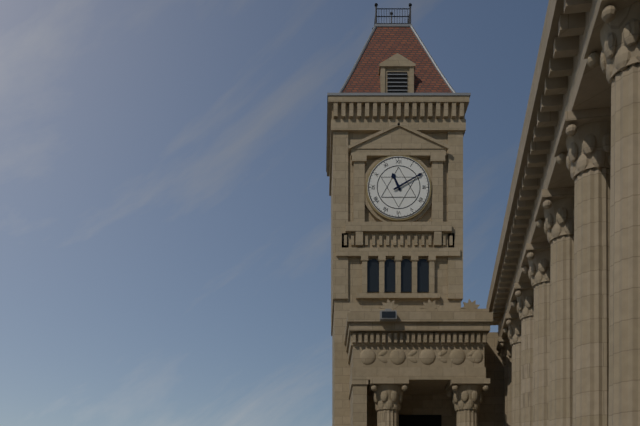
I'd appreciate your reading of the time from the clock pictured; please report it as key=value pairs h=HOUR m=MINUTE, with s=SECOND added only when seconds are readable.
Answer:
h=11 m=10
